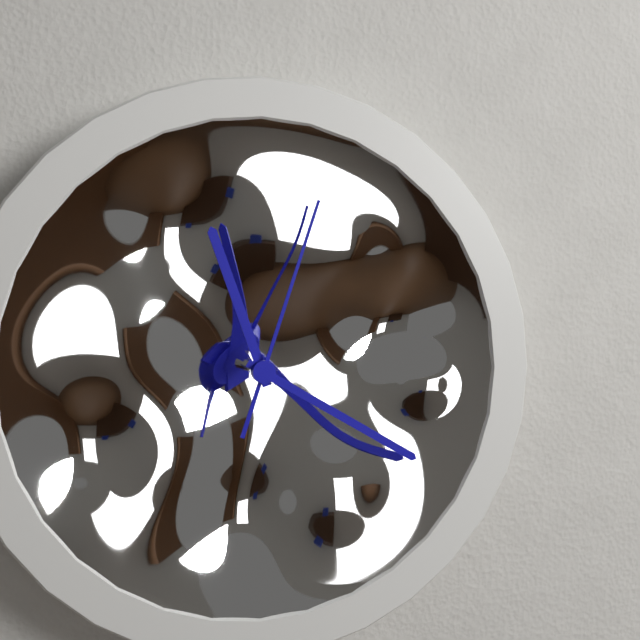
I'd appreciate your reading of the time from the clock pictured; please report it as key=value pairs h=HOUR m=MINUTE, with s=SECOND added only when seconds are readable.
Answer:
h=11 m=20 s=3
